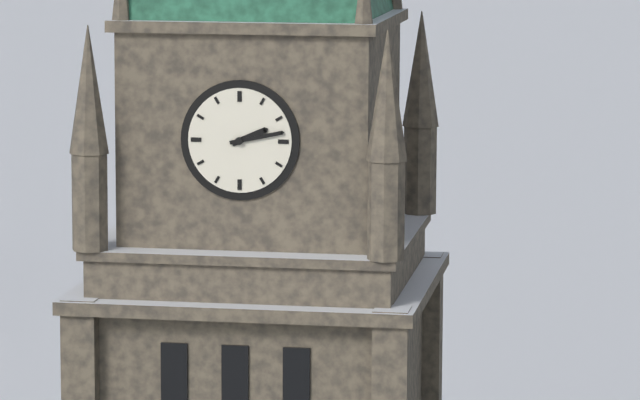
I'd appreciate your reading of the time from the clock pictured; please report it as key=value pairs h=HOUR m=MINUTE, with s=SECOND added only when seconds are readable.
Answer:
h=2 m=13
